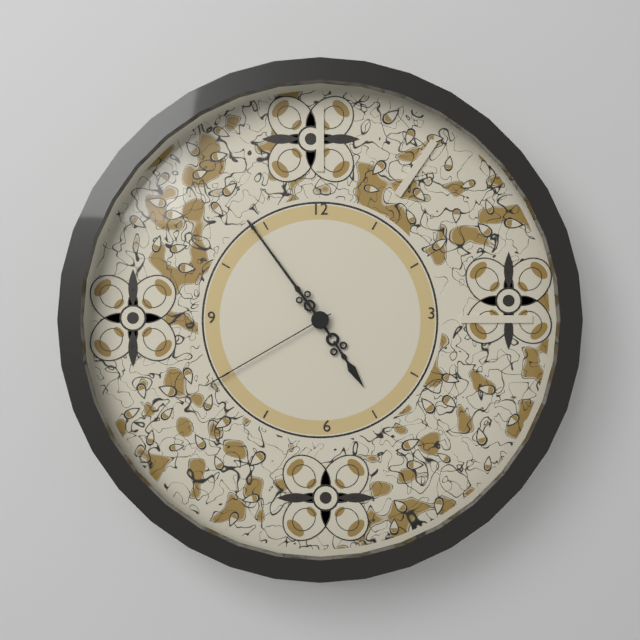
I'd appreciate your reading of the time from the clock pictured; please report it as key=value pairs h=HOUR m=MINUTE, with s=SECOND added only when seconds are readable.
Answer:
h=4 m=54 s=40
